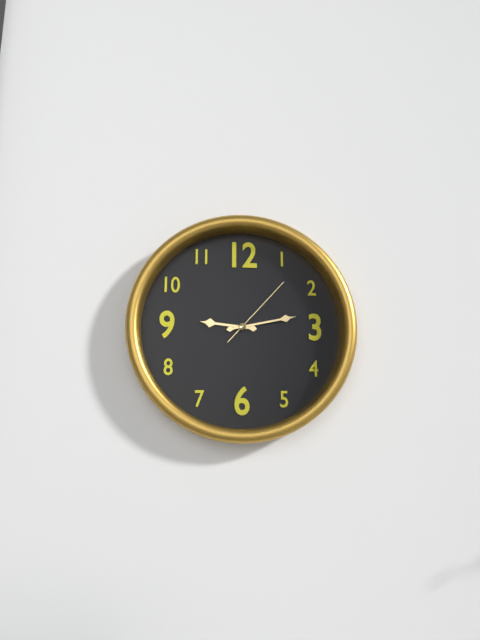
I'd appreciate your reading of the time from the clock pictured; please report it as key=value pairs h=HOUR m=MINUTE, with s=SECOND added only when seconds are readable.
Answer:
h=9 m=13 s=7
